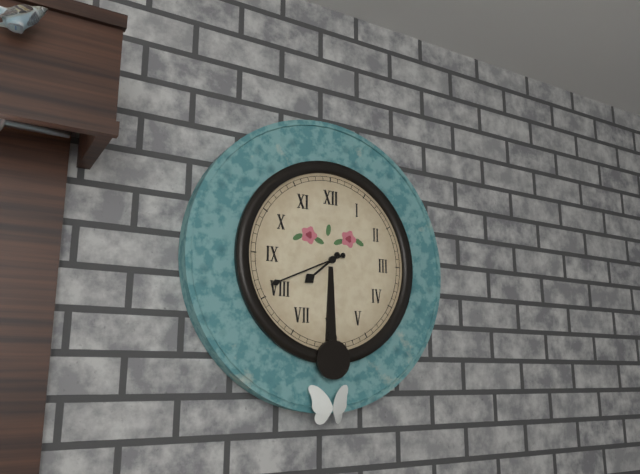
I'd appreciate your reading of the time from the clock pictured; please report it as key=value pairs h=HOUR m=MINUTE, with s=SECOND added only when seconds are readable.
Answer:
h=7 m=41
